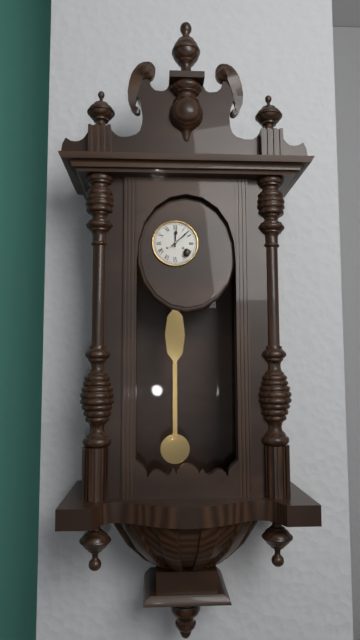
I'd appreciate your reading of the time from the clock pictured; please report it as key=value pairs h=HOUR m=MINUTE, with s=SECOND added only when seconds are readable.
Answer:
h=12 m=8
